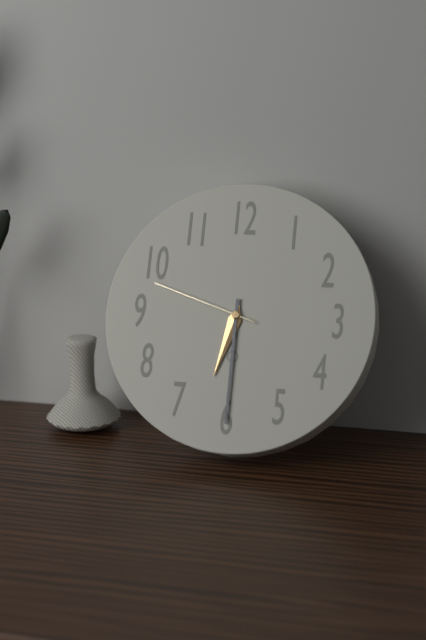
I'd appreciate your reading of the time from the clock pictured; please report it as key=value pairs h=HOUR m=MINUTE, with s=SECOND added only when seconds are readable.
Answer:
h=6 m=30 s=48
